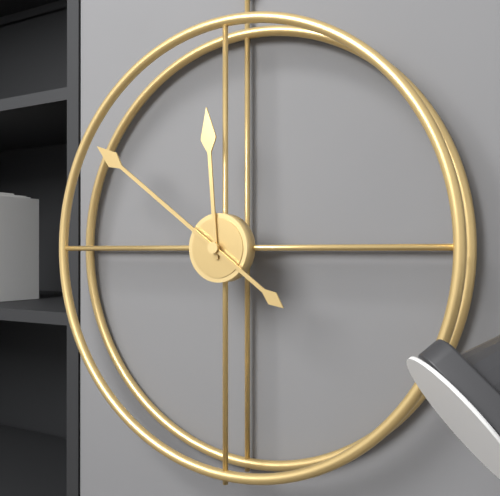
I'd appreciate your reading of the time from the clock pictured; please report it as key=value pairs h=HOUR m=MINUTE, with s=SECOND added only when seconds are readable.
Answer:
h=11 m=51
